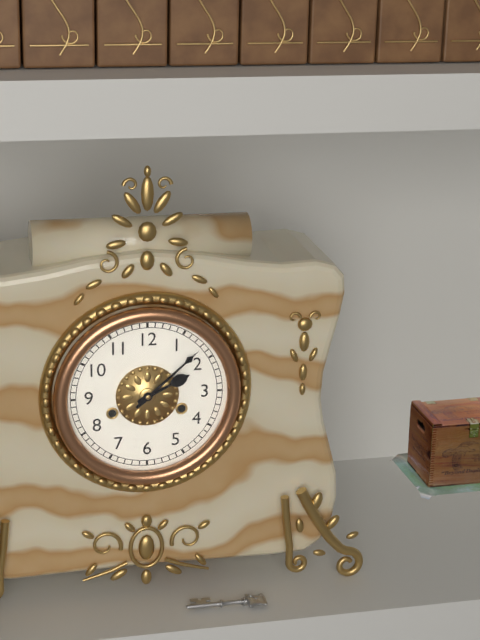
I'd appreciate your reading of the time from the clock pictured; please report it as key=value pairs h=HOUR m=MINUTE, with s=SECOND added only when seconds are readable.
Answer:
h=2 m=8
